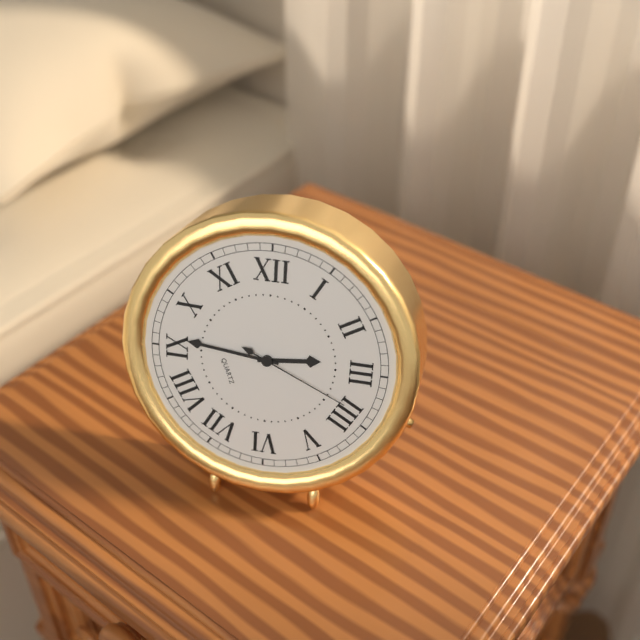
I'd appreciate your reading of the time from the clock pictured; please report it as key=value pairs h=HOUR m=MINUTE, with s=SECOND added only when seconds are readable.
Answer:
h=2 m=46 s=19
